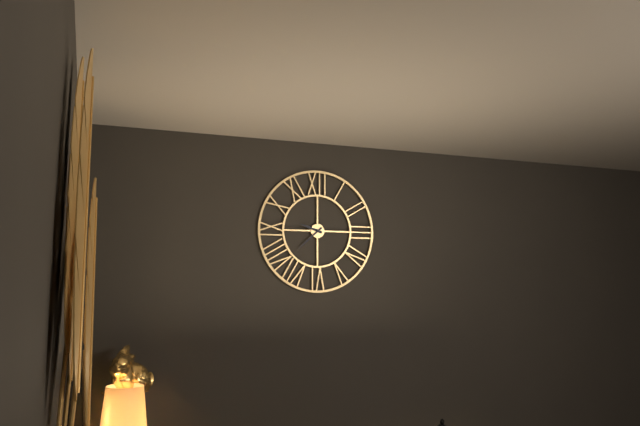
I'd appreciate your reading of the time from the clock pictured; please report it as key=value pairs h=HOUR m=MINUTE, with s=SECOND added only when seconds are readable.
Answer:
h=9 m=38
